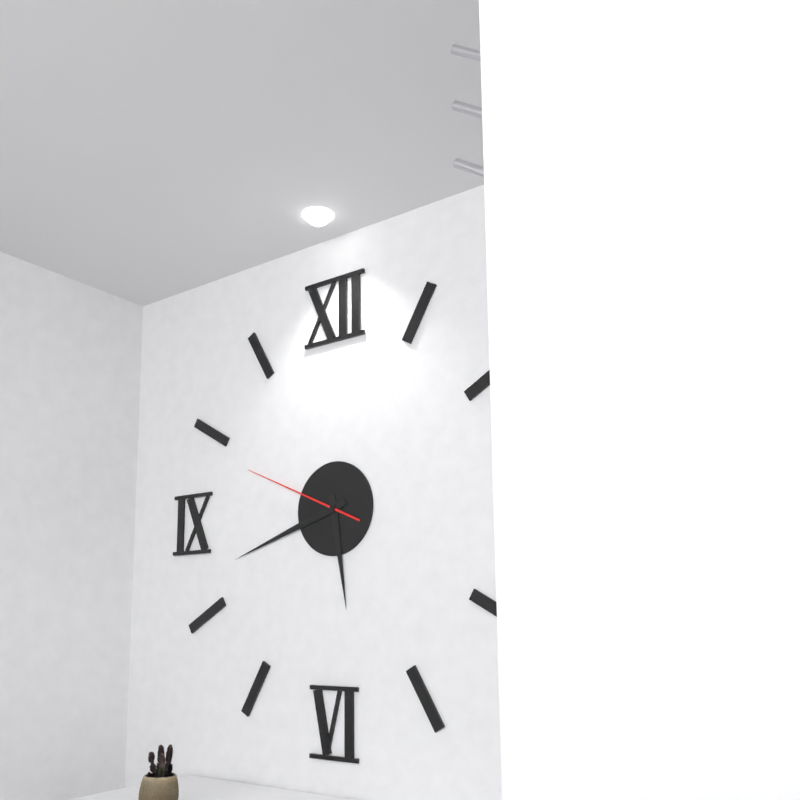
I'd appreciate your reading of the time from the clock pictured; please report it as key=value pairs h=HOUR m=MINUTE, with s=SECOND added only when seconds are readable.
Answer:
h=5 m=42 s=49
